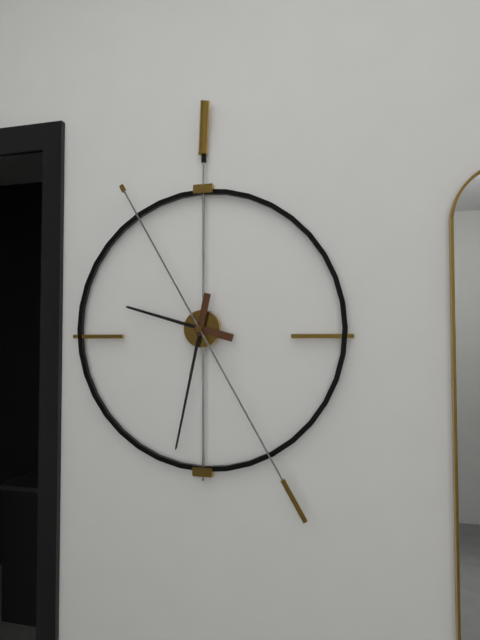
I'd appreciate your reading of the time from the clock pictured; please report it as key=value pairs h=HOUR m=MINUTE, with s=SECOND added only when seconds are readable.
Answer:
h=9 m=32 s=25
